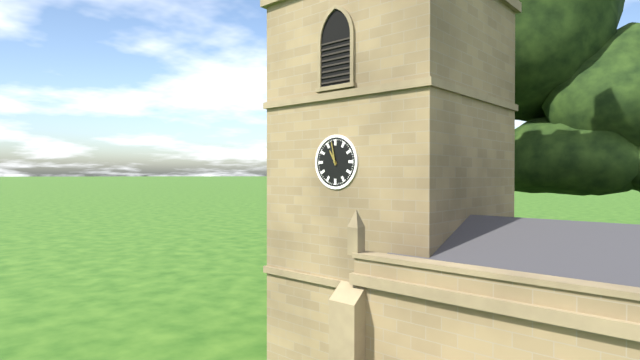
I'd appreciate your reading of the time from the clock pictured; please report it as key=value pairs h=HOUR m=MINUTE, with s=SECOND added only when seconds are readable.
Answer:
h=10 m=58
